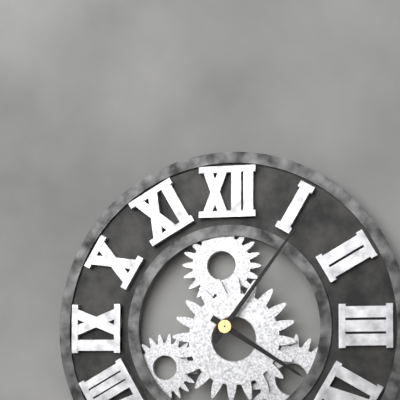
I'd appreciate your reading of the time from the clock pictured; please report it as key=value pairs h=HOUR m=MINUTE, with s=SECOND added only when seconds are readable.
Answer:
h=4 m=6
